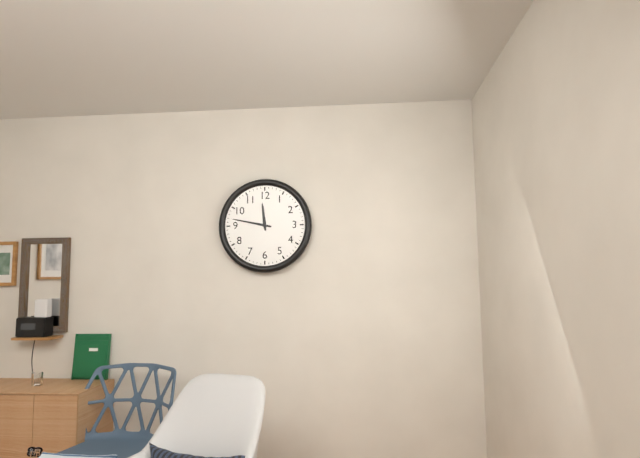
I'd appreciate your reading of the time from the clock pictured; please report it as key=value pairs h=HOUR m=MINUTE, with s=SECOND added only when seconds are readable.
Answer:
h=11 m=47
